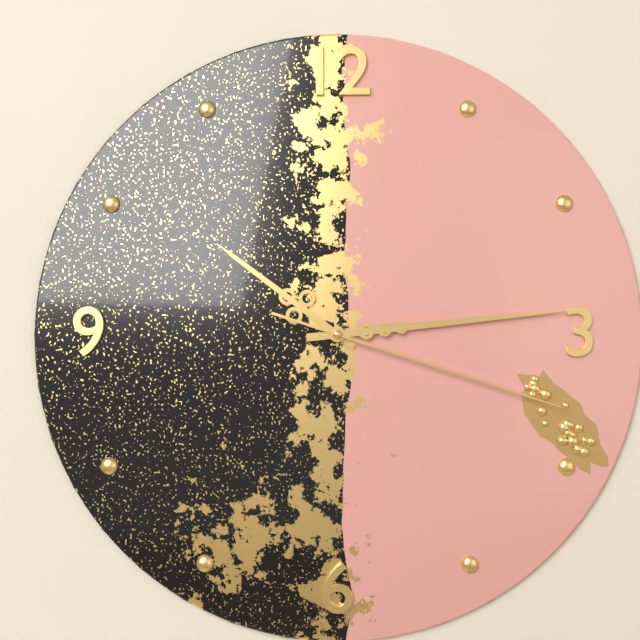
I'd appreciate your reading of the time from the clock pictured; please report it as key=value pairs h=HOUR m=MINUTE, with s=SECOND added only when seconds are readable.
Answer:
h=10 m=14 s=18
